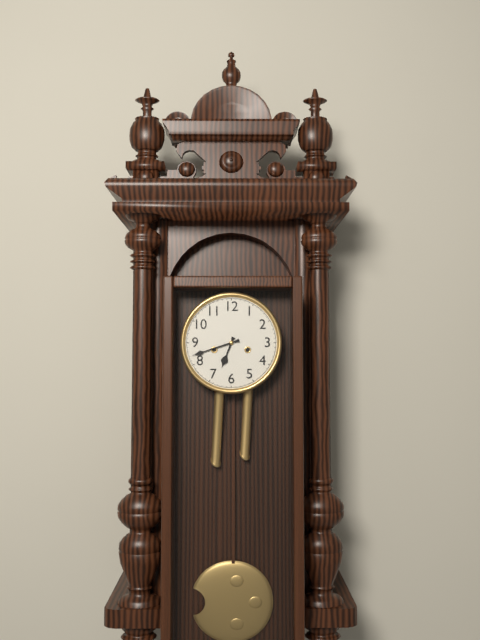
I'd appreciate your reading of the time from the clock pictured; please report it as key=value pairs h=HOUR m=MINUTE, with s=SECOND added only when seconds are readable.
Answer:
h=6 m=42
